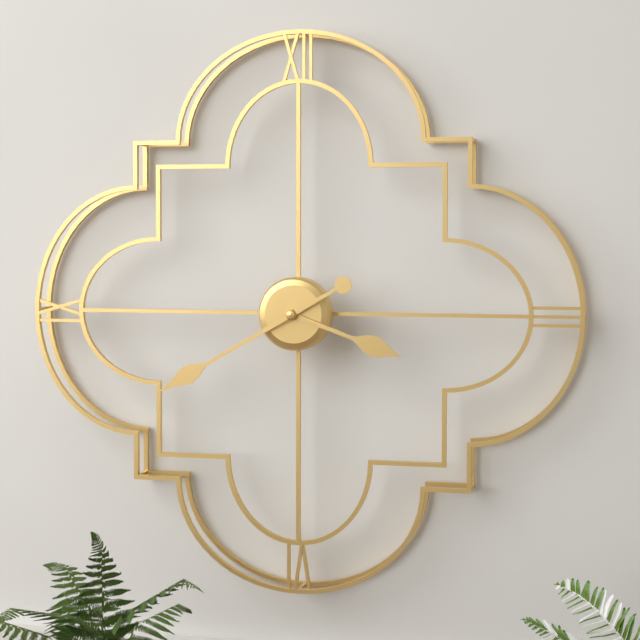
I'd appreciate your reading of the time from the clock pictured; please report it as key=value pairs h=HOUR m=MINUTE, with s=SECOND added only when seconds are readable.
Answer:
h=3 m=40
